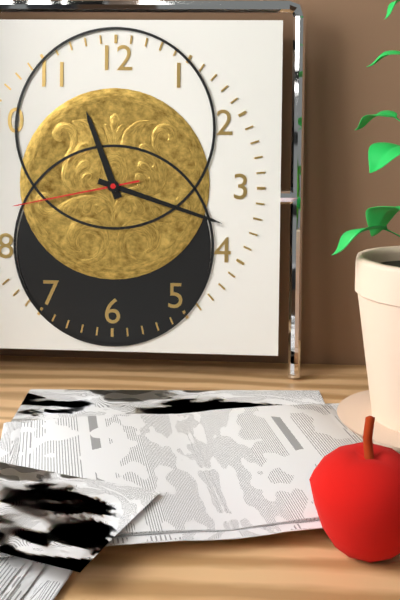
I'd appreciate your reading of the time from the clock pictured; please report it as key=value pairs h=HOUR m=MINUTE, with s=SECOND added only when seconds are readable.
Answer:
h=11 m=18 s=43
